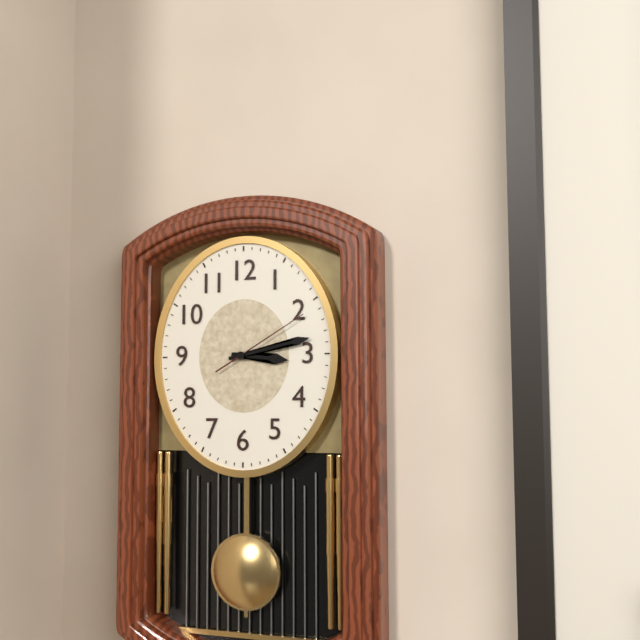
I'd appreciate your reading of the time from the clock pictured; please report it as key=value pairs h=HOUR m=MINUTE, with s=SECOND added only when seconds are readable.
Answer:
h=3 m=13 s=10
